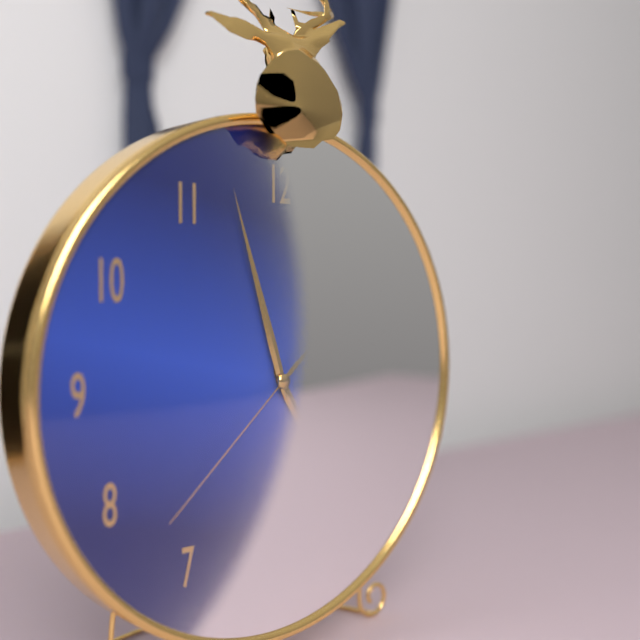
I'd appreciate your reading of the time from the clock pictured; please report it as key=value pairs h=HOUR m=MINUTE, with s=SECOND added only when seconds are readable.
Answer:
h=4 m=57 s=38
